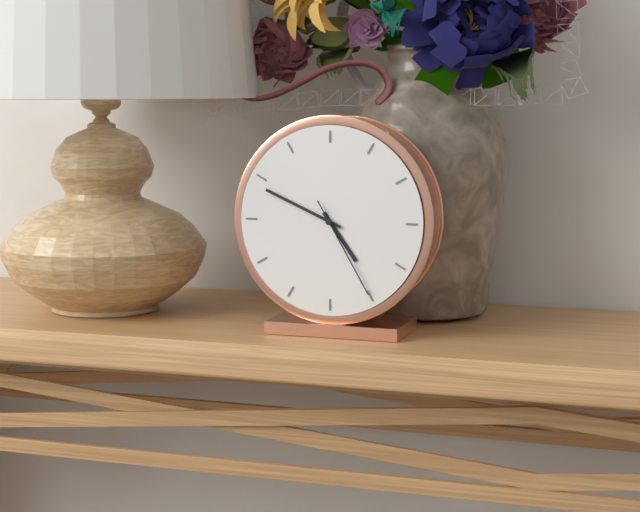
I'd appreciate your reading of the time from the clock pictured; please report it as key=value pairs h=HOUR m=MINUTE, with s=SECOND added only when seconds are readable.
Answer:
h=4 m=49 s=25
